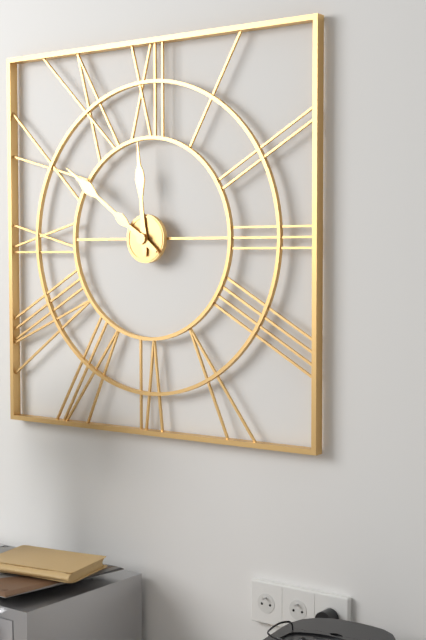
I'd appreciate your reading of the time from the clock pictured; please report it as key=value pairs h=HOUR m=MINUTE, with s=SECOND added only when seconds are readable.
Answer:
h=11 m=51
